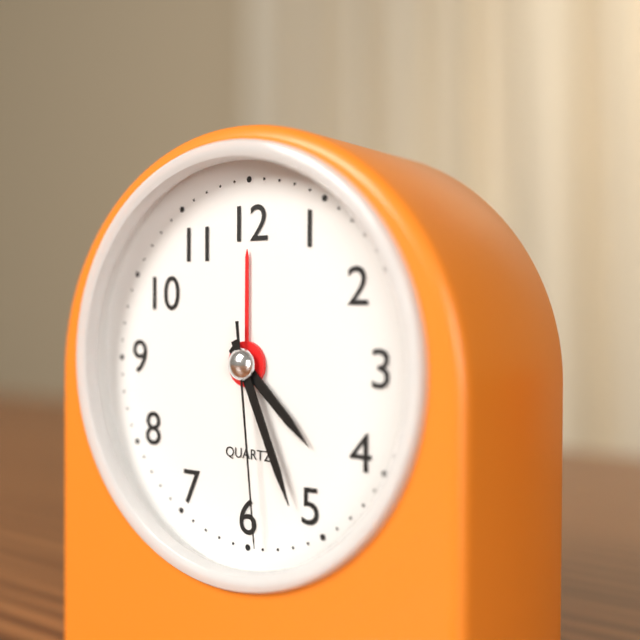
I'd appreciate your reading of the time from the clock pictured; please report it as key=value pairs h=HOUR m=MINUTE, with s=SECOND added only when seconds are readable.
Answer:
h=4 m=26 s=29
